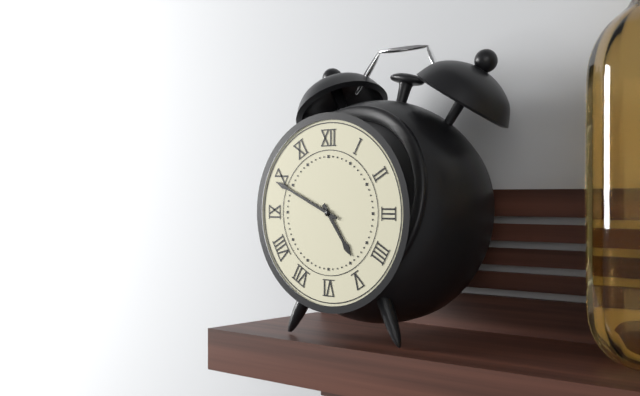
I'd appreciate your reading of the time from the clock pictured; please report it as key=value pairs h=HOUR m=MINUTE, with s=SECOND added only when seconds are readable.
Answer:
h=4 m=49
